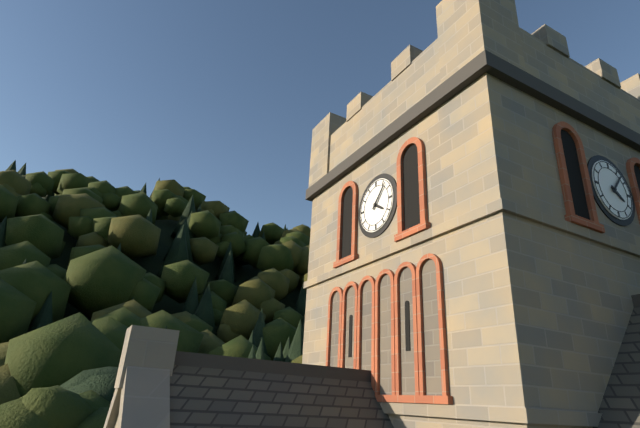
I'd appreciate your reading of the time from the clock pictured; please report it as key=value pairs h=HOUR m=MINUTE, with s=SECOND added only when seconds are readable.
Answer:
h=4 m=7
